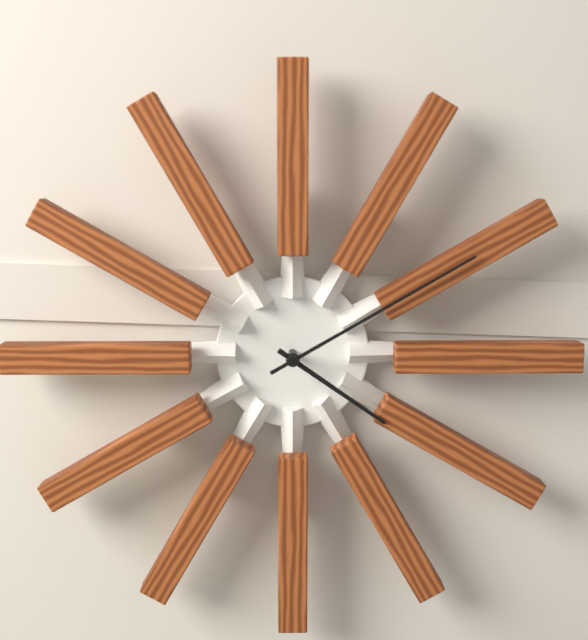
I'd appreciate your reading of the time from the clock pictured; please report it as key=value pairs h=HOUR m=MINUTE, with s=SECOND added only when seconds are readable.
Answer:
h=4 m=10
